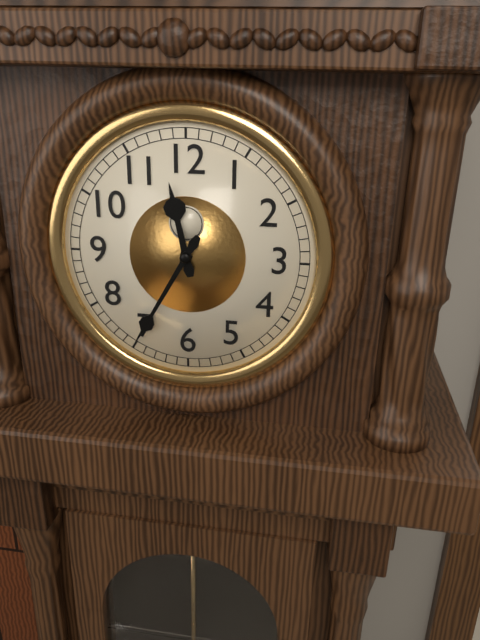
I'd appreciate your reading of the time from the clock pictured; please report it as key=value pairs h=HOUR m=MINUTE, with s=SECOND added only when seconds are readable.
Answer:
h=11 m=35
